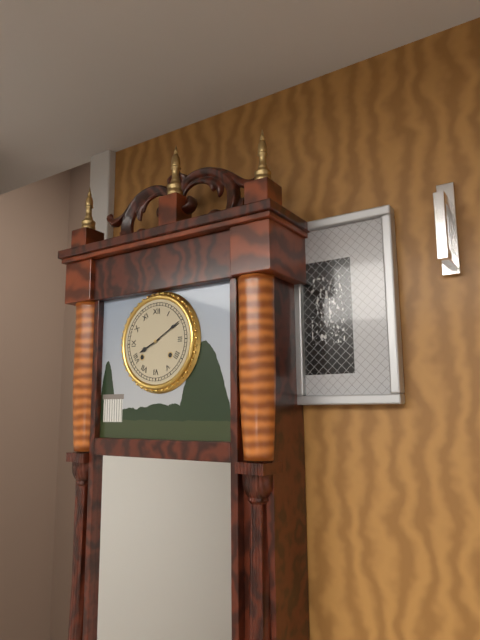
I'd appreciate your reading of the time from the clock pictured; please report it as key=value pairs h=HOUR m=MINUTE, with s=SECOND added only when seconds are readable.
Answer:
h=8 m=10
